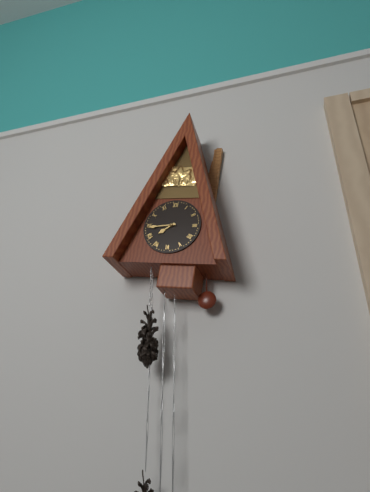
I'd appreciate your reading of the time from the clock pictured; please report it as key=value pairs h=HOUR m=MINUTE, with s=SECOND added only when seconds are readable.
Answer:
h=7 m=44
